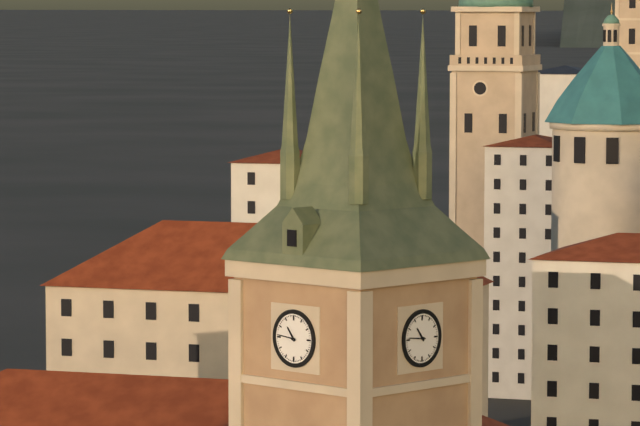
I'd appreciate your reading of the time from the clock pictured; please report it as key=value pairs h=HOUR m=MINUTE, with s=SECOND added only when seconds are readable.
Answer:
h=10 m=46
